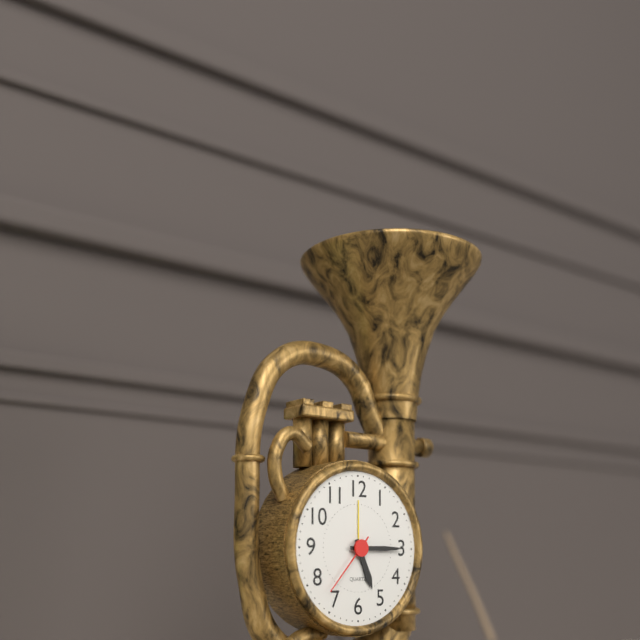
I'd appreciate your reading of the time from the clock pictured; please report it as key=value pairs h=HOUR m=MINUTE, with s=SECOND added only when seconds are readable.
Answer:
h=5 m=15 s=37
